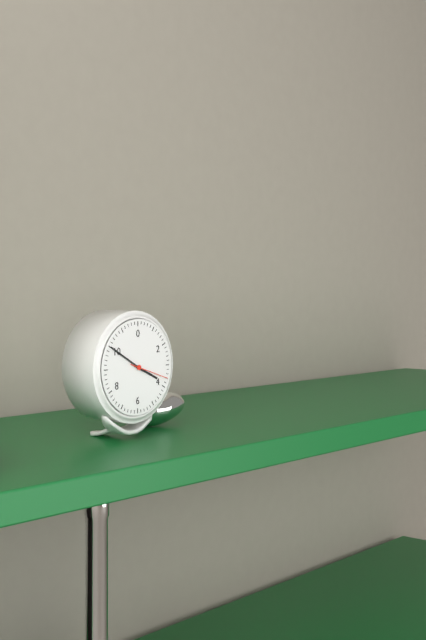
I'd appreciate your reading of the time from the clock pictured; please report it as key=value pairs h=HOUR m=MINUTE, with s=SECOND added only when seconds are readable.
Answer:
h=3 m=50
